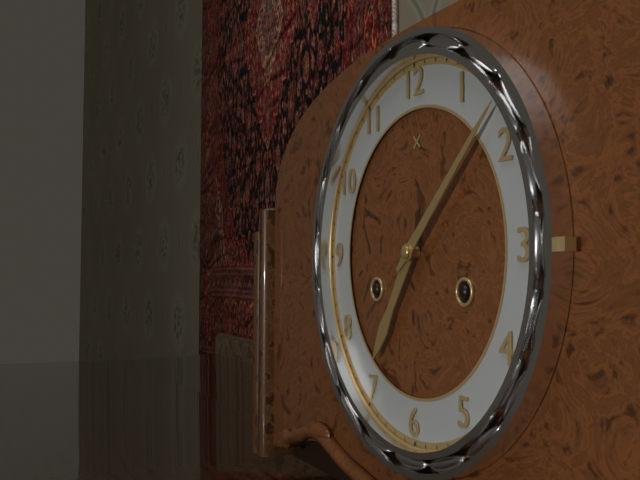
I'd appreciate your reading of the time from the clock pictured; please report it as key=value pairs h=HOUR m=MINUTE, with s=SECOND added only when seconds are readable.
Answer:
h=7 m=8
